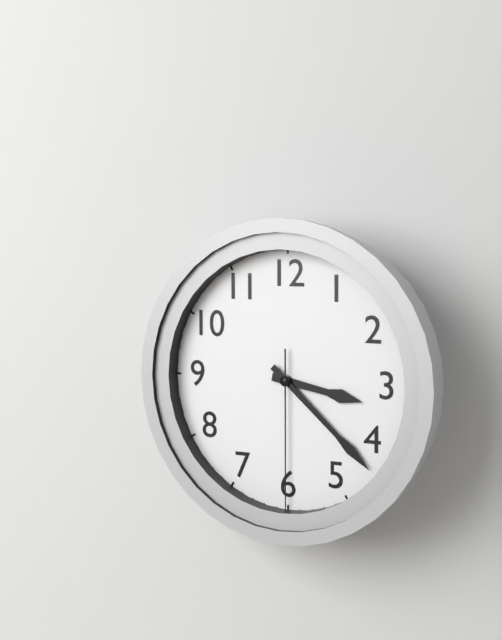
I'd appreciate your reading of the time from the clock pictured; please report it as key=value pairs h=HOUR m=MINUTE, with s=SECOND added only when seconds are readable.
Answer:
h=3 m=22 s=30
